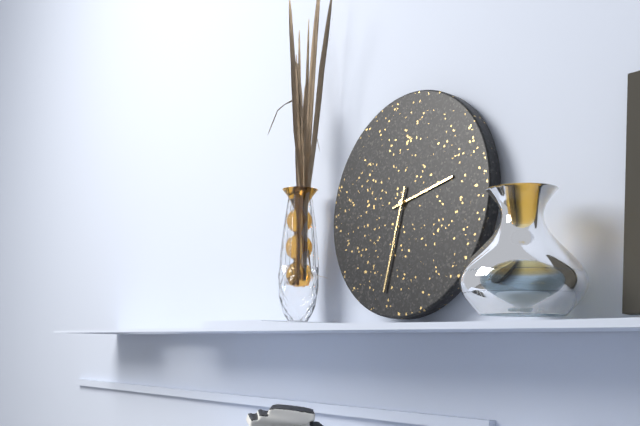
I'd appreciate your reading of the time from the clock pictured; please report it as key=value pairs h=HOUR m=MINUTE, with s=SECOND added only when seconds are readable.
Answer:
h=2 m=32
